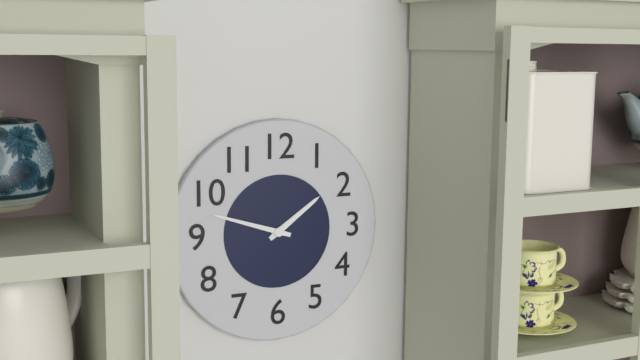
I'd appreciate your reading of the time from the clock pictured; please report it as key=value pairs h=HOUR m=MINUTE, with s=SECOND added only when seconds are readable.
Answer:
h=1 m=48
